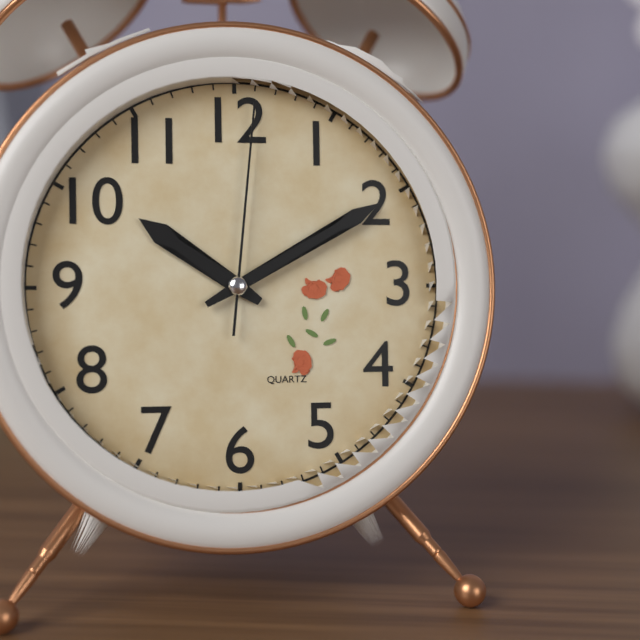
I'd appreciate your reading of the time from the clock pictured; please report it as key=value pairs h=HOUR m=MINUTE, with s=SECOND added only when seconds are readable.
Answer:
h=10 m=10 s=1
